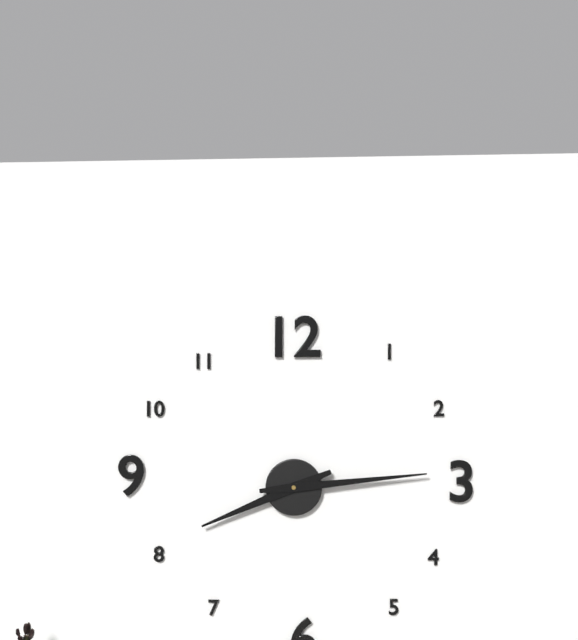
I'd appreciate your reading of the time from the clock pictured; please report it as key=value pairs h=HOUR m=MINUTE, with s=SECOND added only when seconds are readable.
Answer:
h=8 m=14
